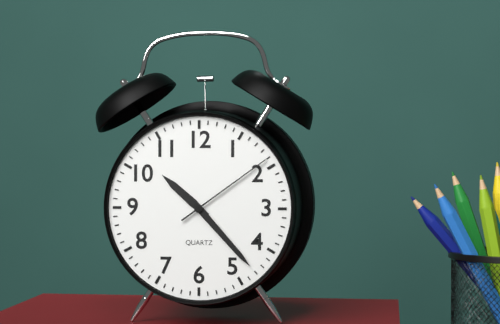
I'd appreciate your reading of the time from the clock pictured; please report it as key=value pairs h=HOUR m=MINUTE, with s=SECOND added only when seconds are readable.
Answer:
h=10 m=23 s=9
